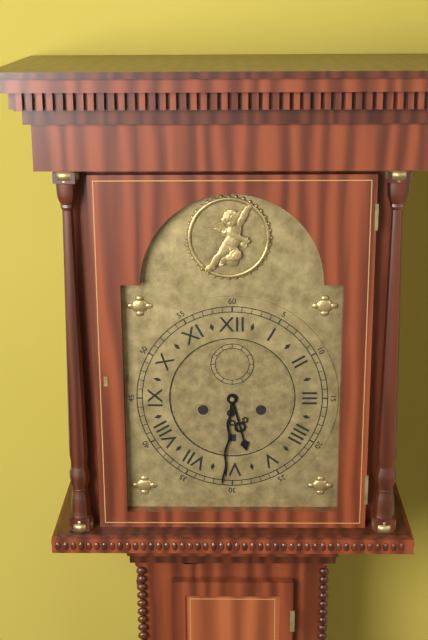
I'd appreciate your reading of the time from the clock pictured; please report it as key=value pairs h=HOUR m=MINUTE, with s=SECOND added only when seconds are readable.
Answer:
h=5 m=31
